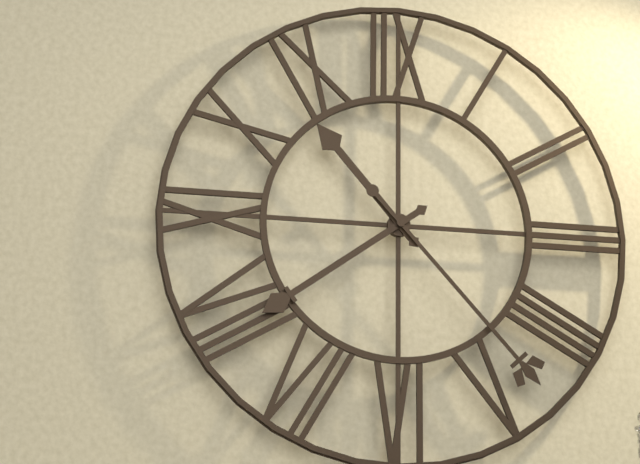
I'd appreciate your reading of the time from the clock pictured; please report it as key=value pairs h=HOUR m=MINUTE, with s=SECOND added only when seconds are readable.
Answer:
h=10 m=39 s=23
